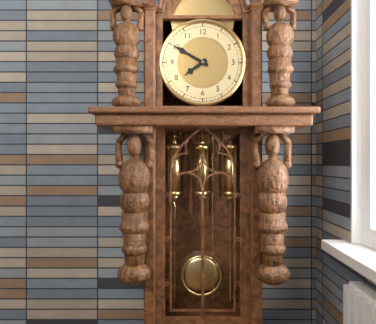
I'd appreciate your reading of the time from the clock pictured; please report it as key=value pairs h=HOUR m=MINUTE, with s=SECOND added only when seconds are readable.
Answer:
h=7 m=50
